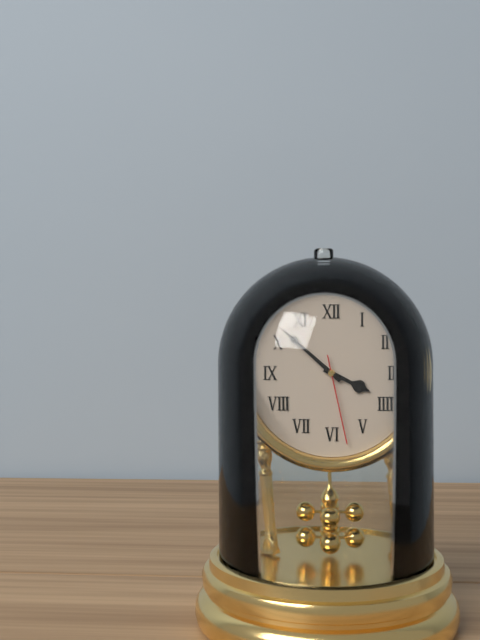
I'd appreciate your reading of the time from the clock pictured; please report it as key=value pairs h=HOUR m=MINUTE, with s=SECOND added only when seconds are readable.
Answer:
h=3 m=52 s=28
